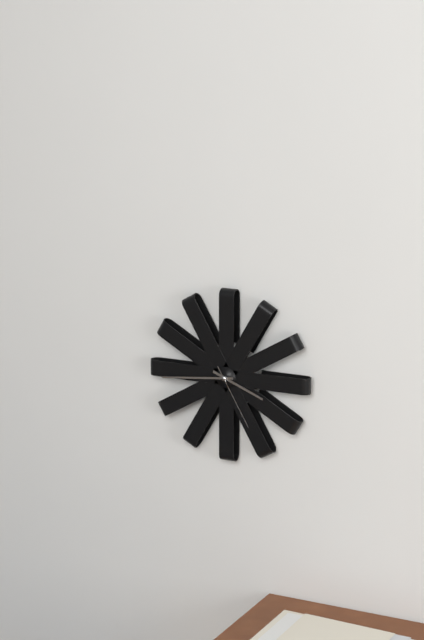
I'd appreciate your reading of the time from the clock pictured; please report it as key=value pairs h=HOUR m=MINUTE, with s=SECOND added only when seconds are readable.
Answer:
h=3 m=44 s=25
